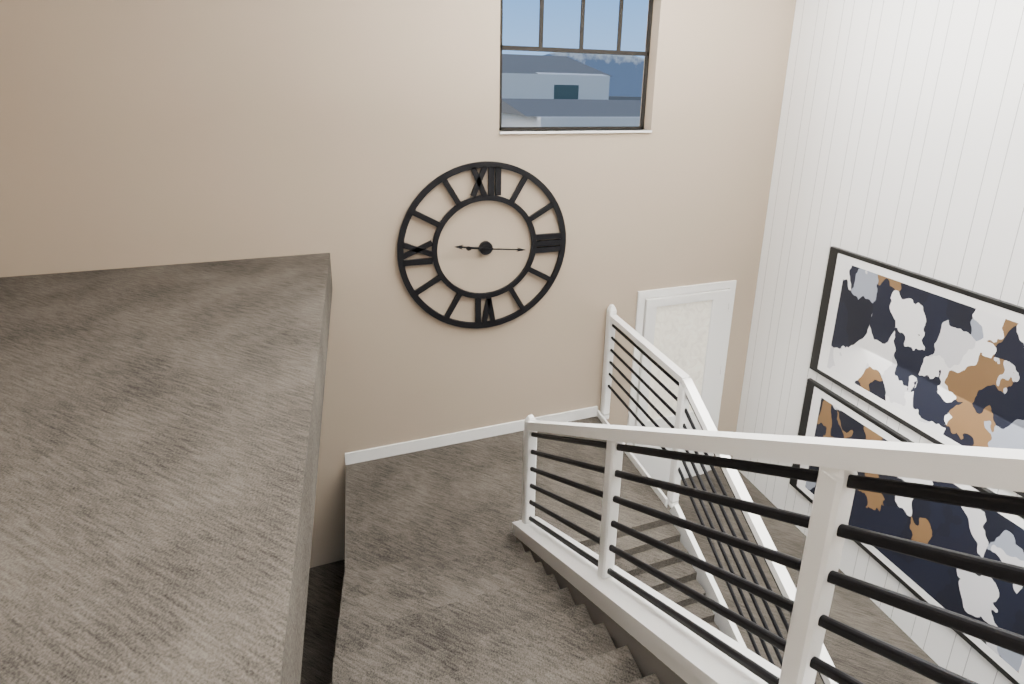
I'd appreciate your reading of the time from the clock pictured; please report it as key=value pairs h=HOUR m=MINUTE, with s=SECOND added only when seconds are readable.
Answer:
h=9 m=16
